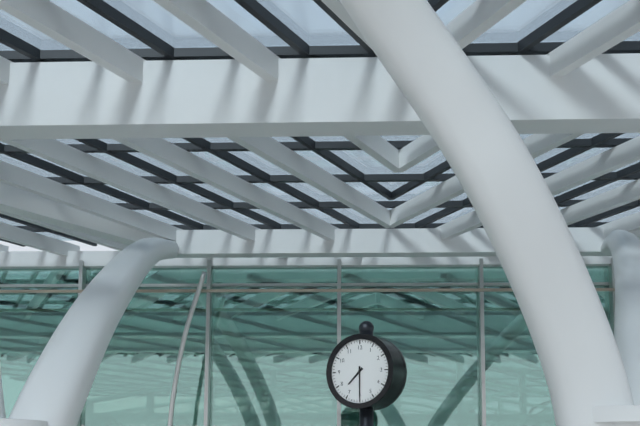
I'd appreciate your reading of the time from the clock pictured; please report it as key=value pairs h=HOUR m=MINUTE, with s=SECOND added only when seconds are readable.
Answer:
h=7 m=30
